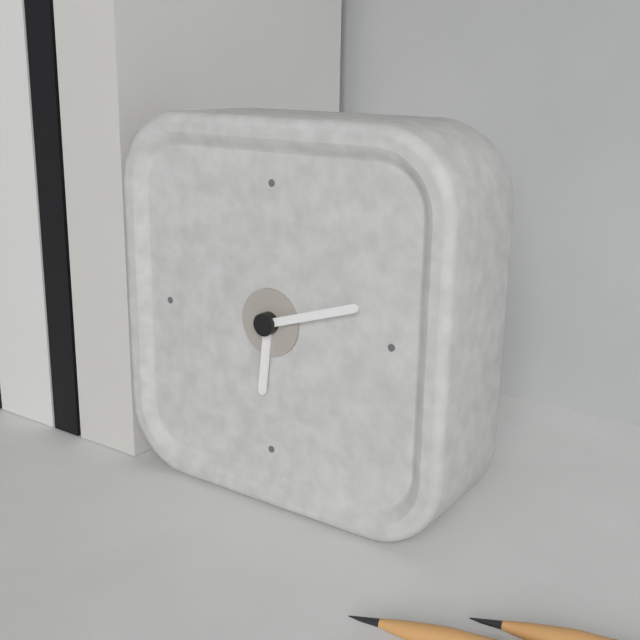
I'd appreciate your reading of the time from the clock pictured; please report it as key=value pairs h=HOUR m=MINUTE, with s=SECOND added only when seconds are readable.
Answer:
h=6 m=12
